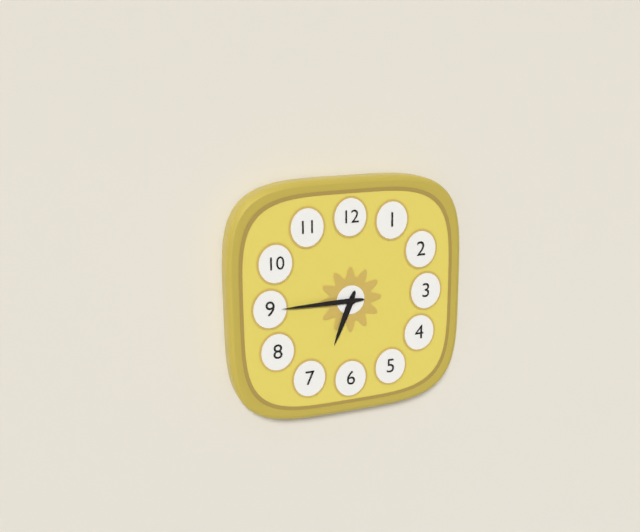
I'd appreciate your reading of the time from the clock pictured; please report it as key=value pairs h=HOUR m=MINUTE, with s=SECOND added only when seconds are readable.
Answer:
h=6 m=45
